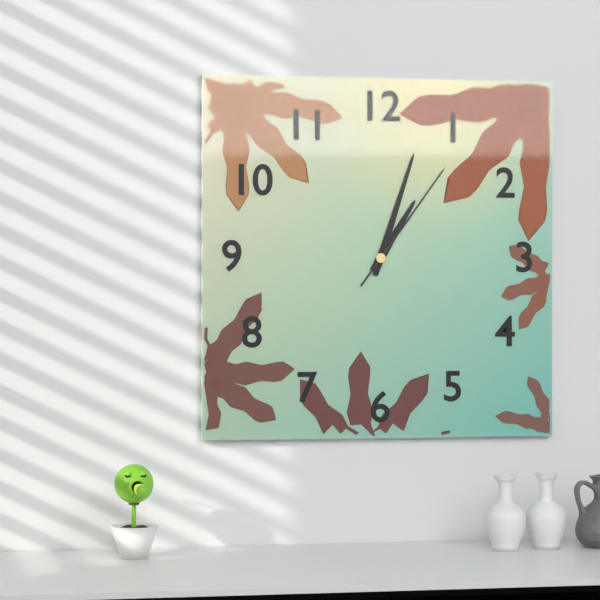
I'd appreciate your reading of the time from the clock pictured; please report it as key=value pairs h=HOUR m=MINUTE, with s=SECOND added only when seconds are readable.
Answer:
h=1 m=3 s=6
